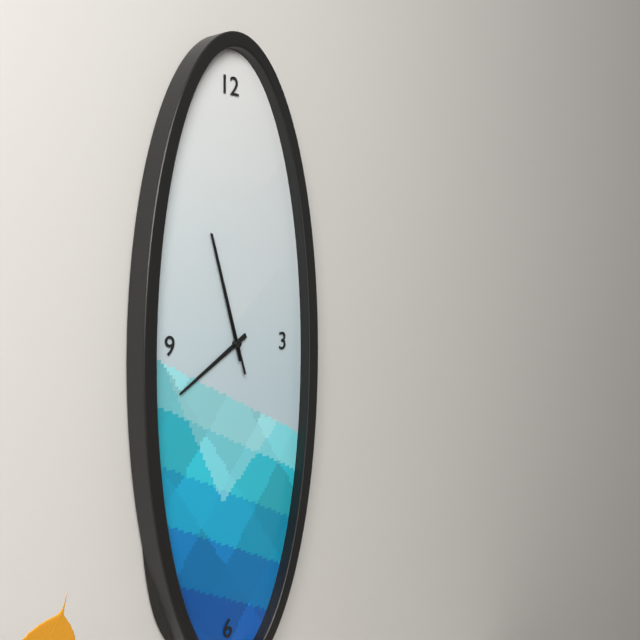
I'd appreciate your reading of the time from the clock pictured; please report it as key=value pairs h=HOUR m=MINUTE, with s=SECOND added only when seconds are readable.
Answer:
h=7 m=57 s=57
